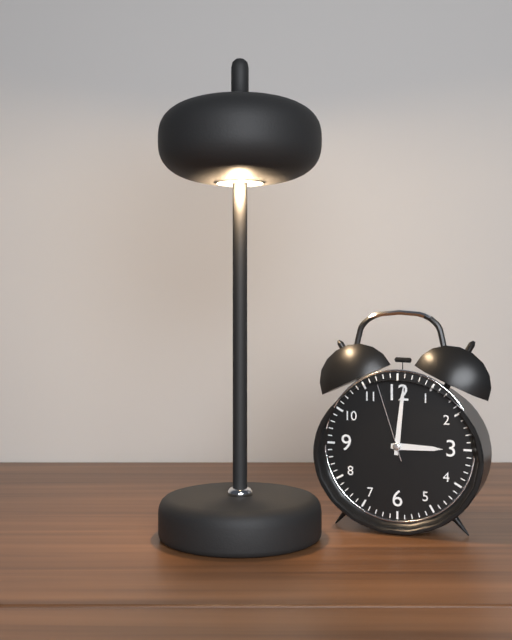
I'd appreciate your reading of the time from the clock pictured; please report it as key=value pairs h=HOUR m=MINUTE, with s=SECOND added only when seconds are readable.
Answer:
h=3 m=1 s=57
